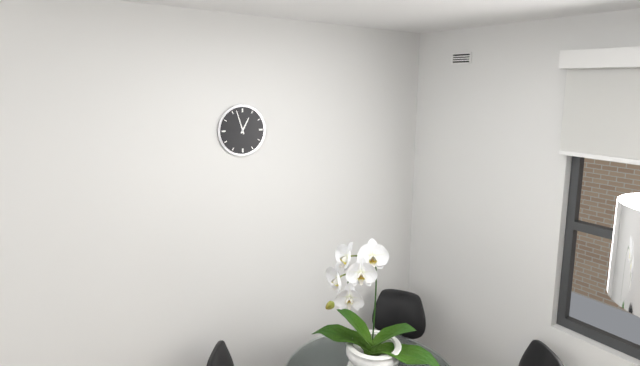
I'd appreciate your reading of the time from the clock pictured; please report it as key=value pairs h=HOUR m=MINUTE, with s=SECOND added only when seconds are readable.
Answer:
h=12 m=57
